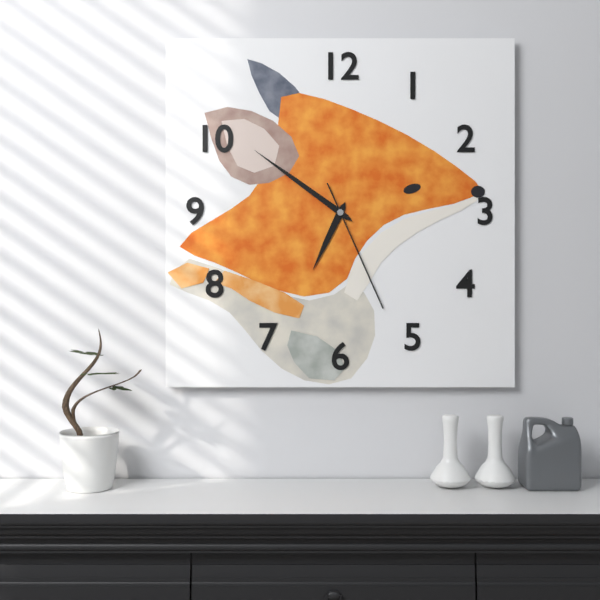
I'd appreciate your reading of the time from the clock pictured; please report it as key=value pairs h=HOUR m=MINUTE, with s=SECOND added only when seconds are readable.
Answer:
h=6 m=51 s=26
